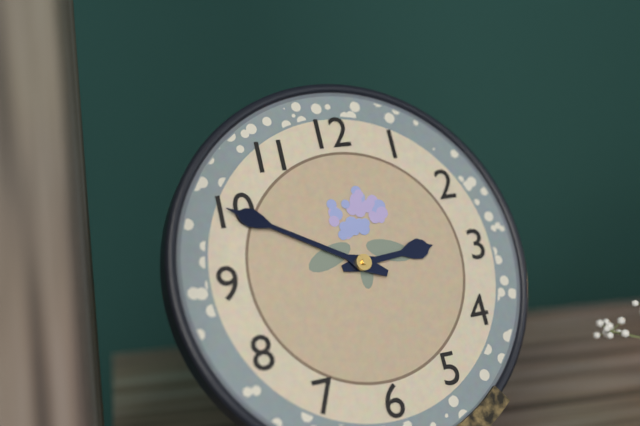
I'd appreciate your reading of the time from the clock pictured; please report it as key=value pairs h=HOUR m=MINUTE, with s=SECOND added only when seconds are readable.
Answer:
h=2 m=50
